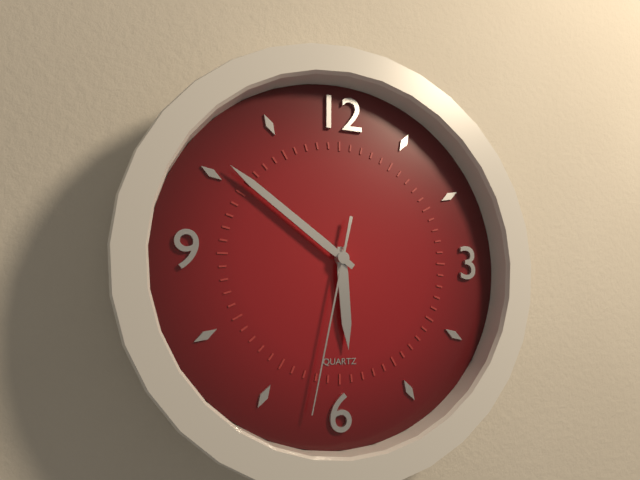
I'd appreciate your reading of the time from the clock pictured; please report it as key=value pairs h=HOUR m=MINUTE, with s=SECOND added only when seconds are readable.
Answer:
h=5 m=51 s=32
